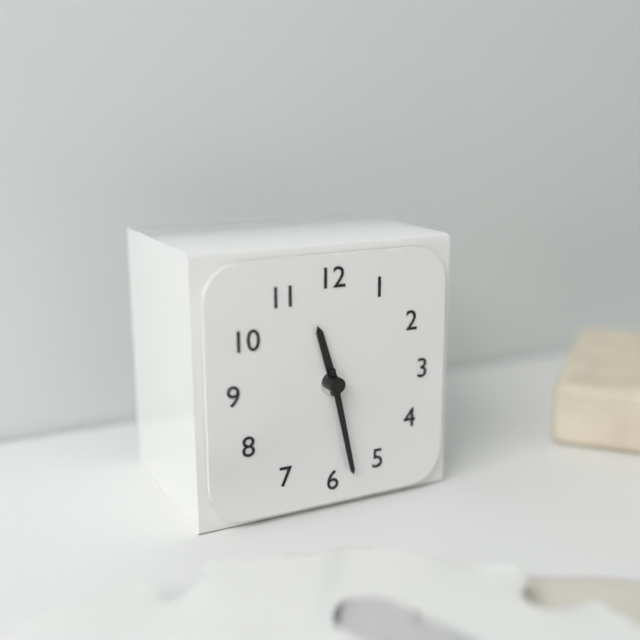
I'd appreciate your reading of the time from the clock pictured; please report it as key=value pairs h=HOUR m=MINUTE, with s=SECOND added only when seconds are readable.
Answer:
h=11 m=28
